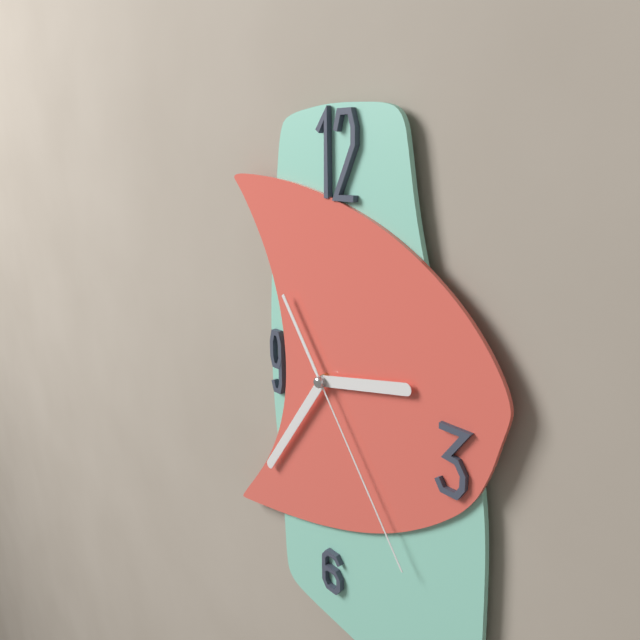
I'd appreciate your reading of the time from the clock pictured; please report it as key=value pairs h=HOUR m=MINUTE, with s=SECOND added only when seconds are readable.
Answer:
h=2 m=36 s=24
